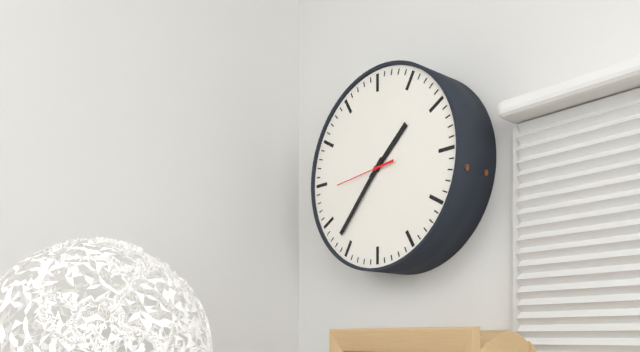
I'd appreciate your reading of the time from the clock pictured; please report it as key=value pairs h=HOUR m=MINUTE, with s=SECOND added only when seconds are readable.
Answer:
h=1 m=37 s=44
